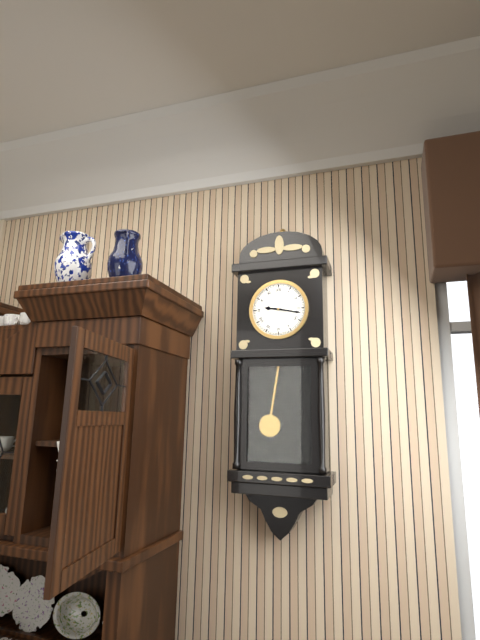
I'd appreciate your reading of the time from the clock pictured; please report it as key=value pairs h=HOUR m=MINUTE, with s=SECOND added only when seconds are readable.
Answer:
h=9 m=17
